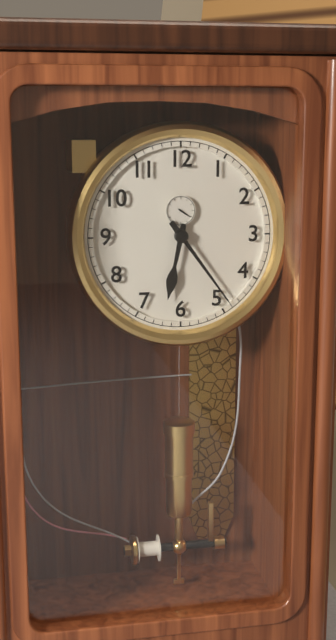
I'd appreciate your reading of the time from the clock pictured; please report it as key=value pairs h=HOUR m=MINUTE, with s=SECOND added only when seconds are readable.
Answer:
h=6 m=24
